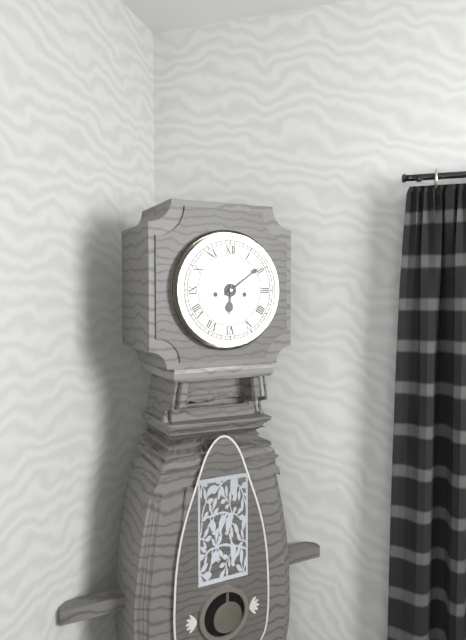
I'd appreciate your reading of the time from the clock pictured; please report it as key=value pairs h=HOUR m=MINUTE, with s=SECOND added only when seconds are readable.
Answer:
h=6 m=9
